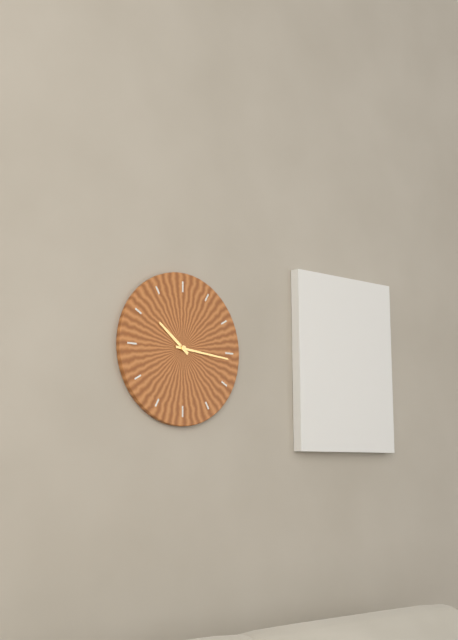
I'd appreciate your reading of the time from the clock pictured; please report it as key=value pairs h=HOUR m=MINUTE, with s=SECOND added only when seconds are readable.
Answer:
h=10 m=16
